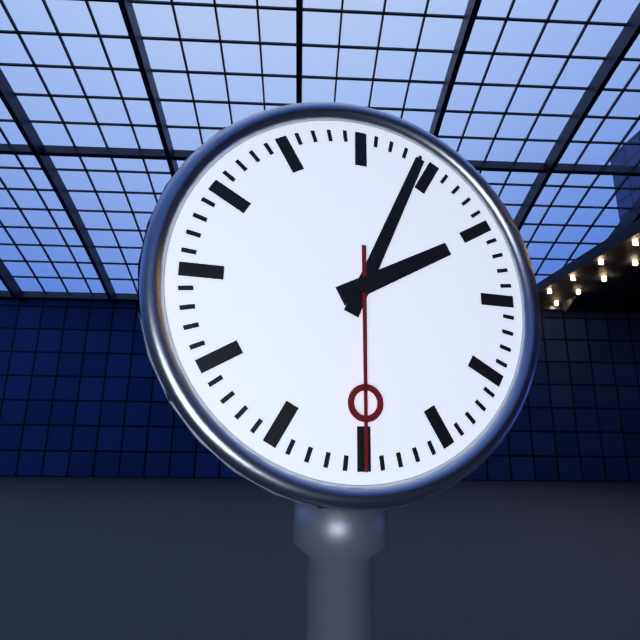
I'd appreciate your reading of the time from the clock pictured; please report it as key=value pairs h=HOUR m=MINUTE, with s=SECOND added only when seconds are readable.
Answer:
h=2 m=4 s=30
